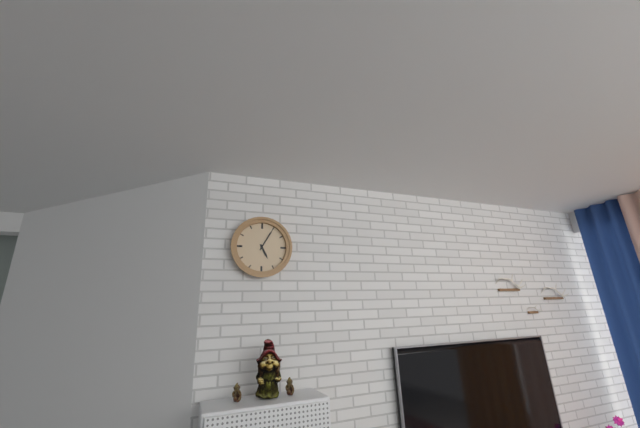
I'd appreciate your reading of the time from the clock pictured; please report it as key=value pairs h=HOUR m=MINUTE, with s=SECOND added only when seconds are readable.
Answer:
h=5 m=5
